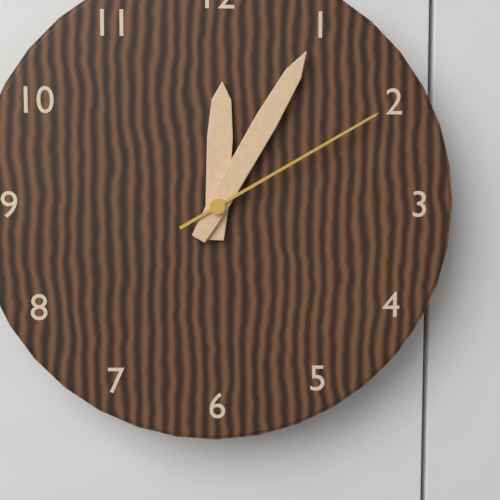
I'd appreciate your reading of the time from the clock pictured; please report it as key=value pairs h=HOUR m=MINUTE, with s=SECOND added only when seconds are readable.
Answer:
h=12 m=5 s=10
